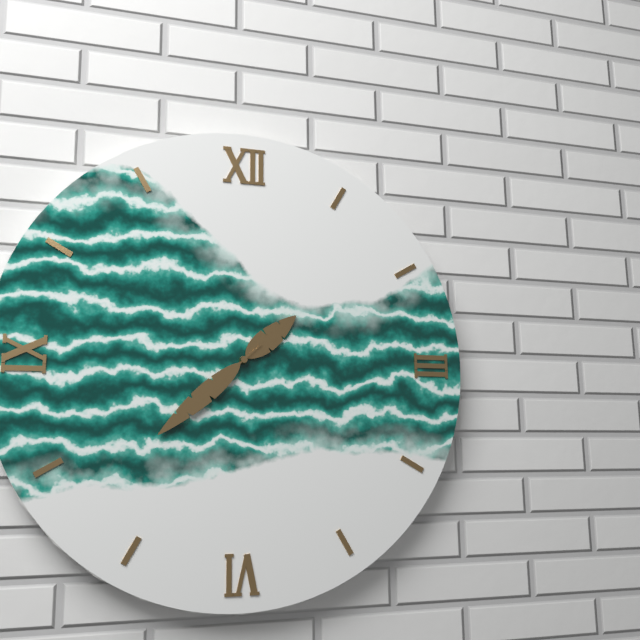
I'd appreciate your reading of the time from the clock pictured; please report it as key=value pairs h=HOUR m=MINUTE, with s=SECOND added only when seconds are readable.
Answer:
h=1 m=38
